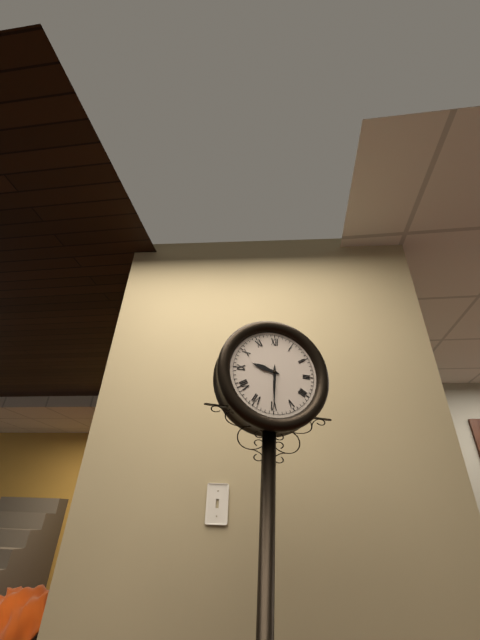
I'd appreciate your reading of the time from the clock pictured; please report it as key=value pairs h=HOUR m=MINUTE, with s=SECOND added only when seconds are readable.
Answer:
h=9 m=30
